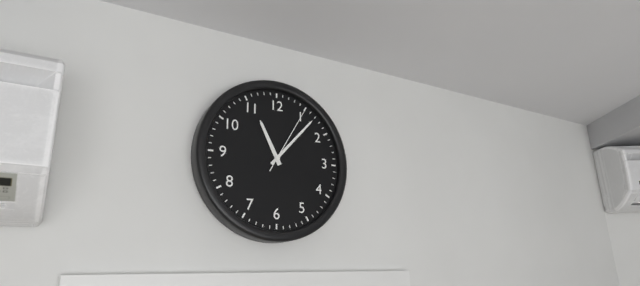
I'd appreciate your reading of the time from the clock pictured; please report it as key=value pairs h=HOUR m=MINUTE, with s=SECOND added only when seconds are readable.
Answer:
h=11 m=7 s=5
